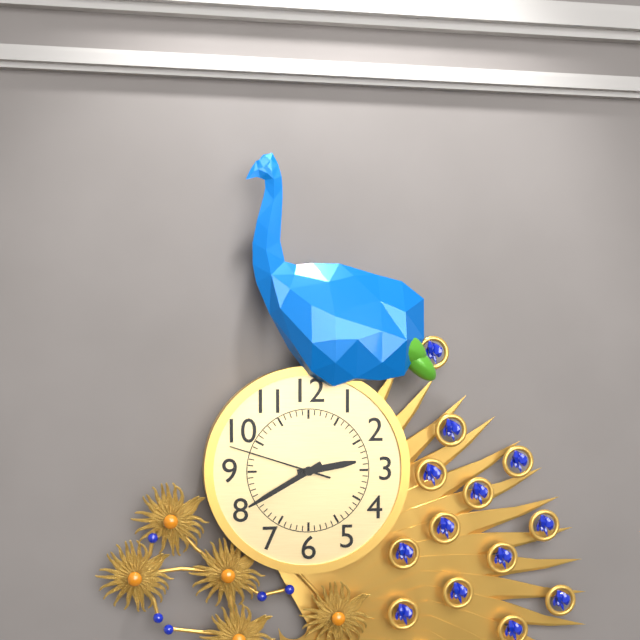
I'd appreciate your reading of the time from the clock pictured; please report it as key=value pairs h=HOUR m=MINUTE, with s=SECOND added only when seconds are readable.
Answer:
h=2 m=40 s=48
